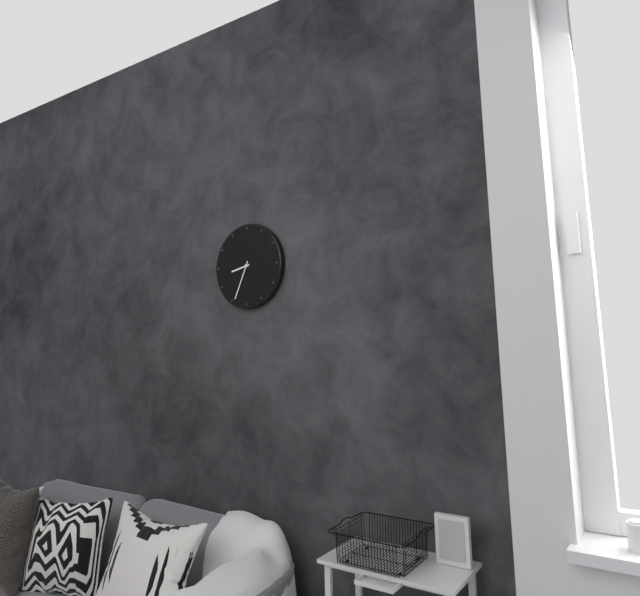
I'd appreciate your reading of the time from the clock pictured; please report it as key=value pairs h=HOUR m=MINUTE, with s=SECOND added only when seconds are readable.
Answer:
h=8 m=34
